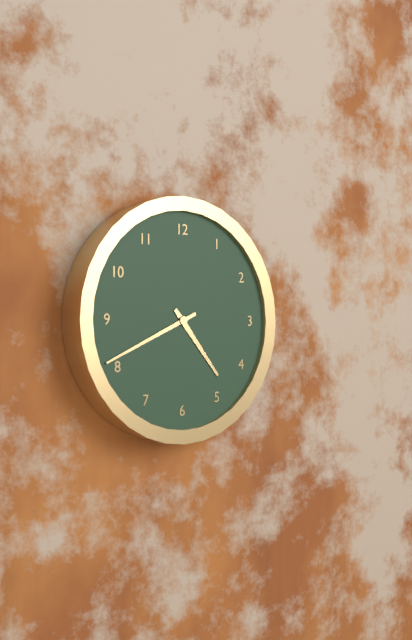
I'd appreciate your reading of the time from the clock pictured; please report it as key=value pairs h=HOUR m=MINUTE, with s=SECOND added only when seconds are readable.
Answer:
h=4 m=41
